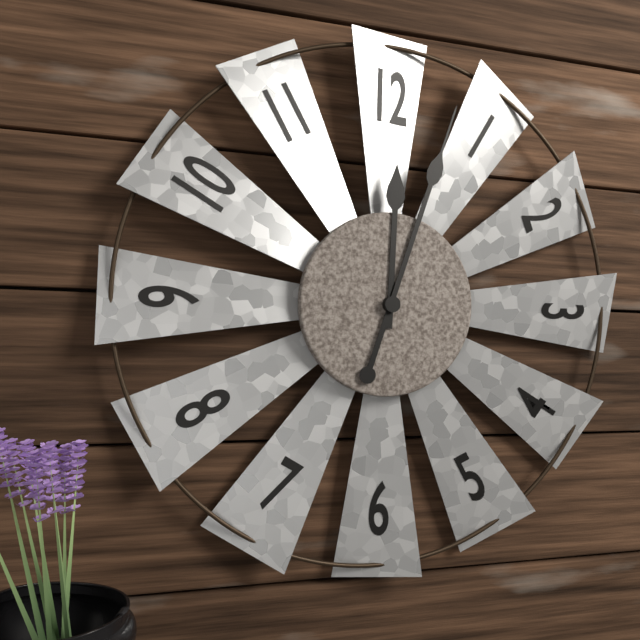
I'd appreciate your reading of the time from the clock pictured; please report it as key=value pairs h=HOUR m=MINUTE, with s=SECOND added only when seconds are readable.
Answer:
h=12 m=3
